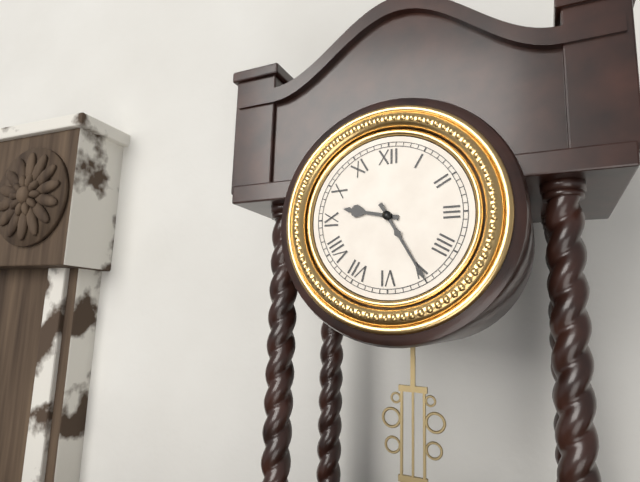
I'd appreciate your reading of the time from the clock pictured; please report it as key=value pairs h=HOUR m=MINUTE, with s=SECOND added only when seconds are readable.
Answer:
h=9 m=25
